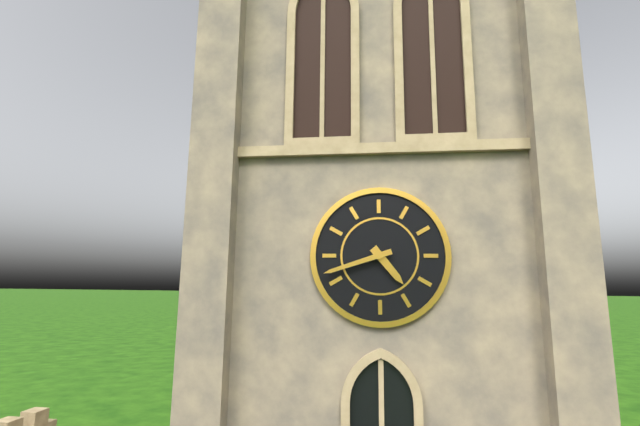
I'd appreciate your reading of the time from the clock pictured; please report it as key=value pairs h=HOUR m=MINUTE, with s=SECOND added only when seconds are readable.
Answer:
h=4 m=42
